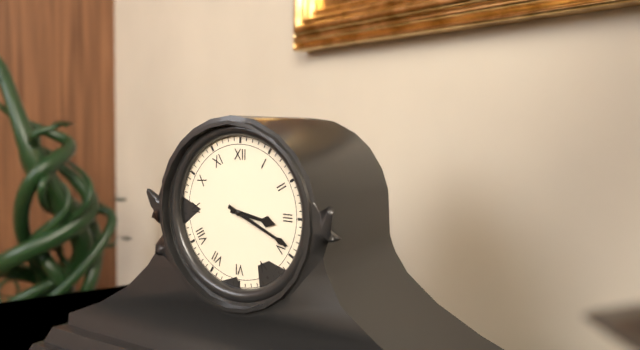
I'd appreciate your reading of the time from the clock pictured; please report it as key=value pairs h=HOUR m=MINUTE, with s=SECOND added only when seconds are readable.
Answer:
h=3 m=19
